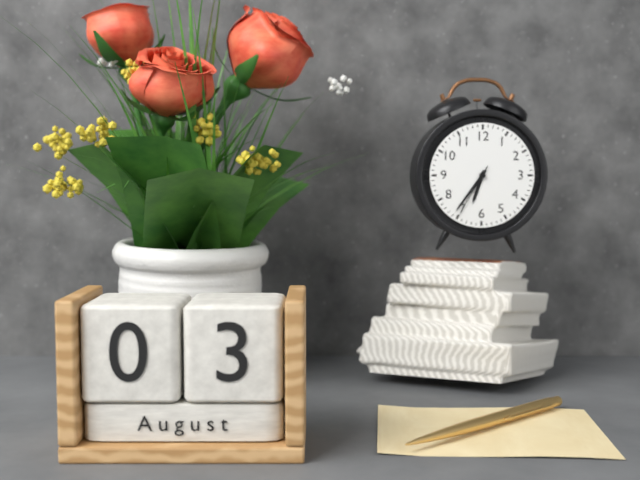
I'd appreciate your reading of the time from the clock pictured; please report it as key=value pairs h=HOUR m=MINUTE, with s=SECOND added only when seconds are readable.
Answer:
h=6 m=36 s=35
